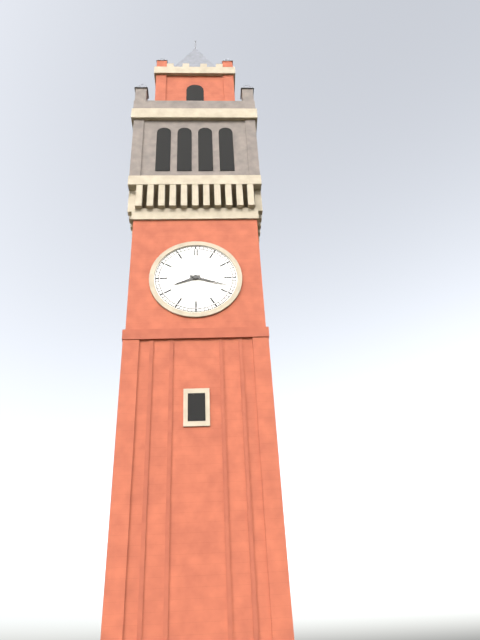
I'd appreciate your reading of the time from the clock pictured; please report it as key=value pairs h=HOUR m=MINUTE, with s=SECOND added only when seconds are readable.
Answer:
h=8 m=18
